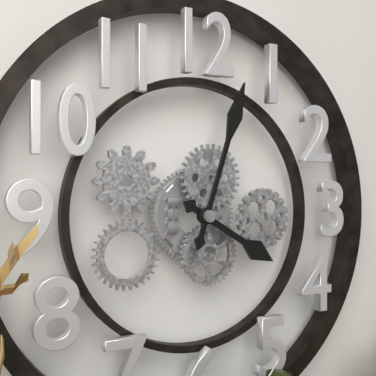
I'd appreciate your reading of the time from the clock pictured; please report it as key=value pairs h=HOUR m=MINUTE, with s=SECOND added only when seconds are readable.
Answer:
h=4 m=3
